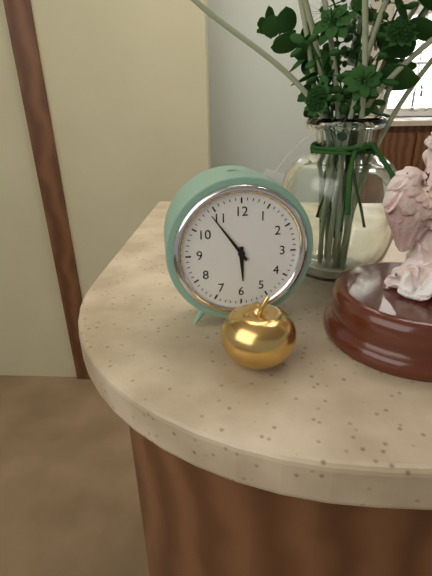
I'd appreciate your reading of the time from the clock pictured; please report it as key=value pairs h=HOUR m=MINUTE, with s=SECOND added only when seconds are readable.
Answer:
h=5 m=54
